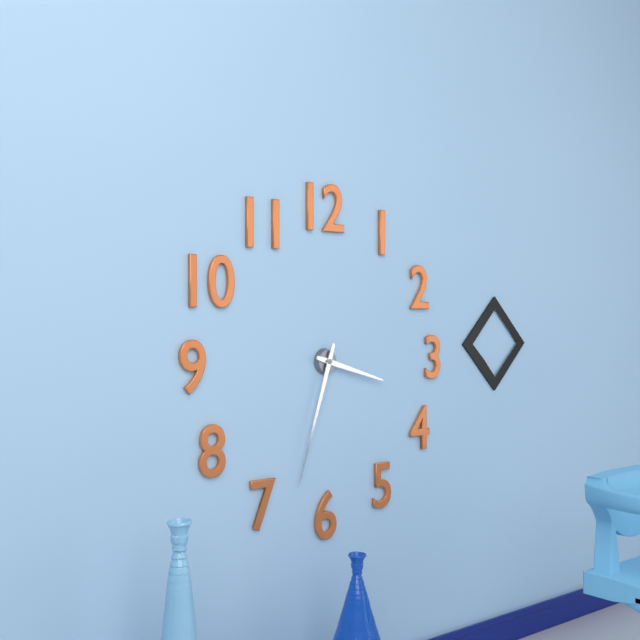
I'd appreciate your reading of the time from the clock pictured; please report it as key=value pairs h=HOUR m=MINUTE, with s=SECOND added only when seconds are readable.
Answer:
h=3 m=33
